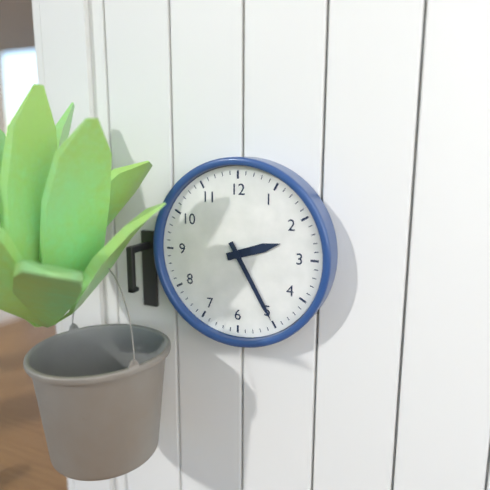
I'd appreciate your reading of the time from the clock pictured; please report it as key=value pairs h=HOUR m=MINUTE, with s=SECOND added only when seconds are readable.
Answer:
h=2 m=25
